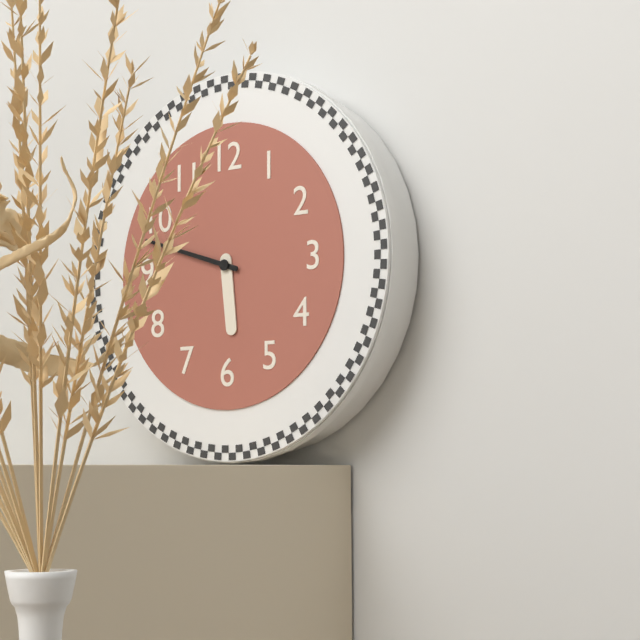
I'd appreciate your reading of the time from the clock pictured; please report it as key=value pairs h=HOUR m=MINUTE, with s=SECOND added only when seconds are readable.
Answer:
h=5 m=48
